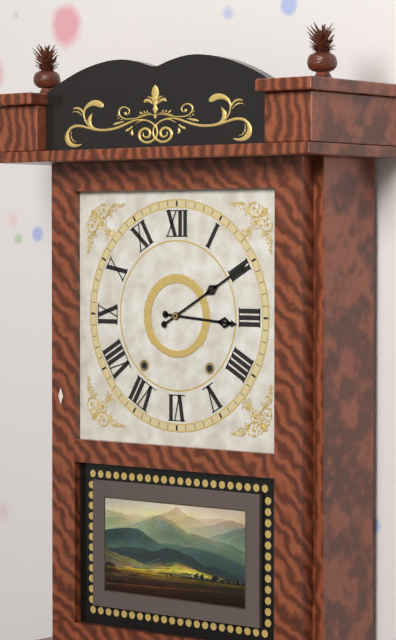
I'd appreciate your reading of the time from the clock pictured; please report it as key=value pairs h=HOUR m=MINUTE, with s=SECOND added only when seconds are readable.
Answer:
h=3 m=10
